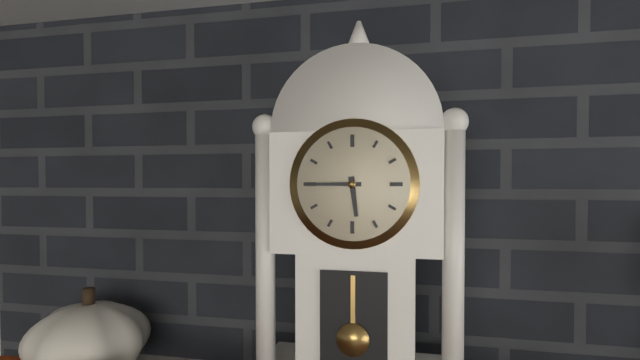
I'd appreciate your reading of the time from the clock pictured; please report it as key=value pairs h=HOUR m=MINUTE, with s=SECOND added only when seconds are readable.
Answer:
h=5 m=45
